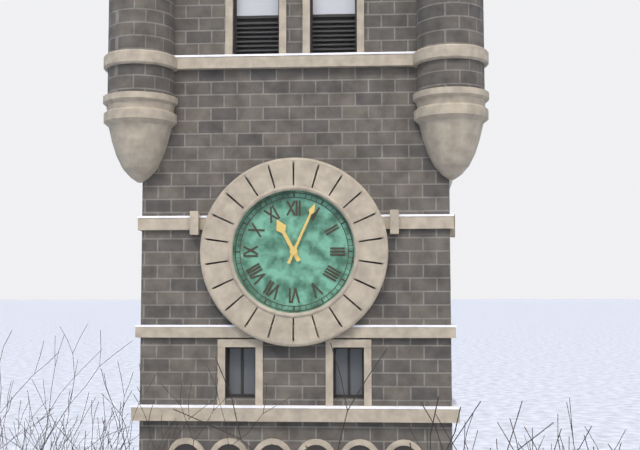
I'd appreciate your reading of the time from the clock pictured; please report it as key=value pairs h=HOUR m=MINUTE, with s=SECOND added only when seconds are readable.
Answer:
h=11 m=4
